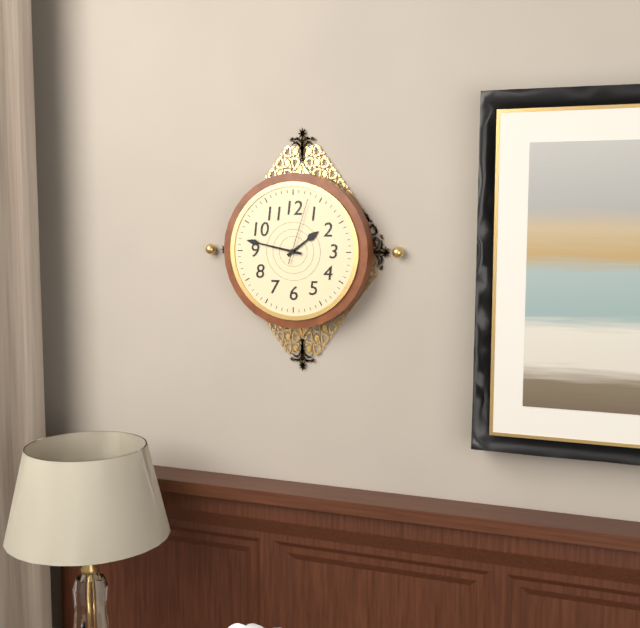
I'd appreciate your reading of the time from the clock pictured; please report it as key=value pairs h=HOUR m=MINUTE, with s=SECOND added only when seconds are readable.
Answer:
h=1 m=47 s=3
